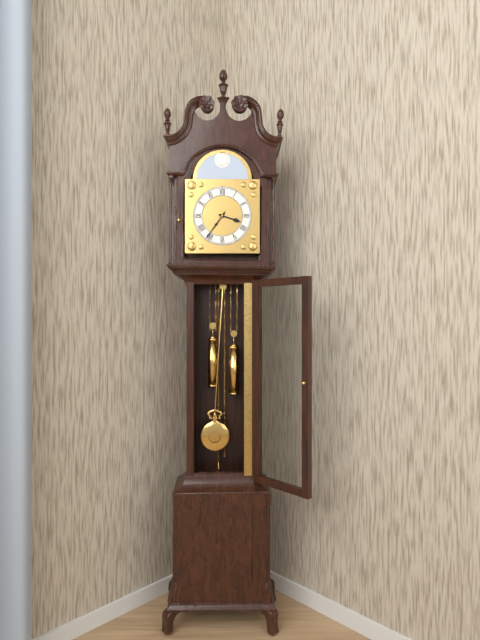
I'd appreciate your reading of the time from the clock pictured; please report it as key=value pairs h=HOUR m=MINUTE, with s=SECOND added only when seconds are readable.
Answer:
h=3 m=36
